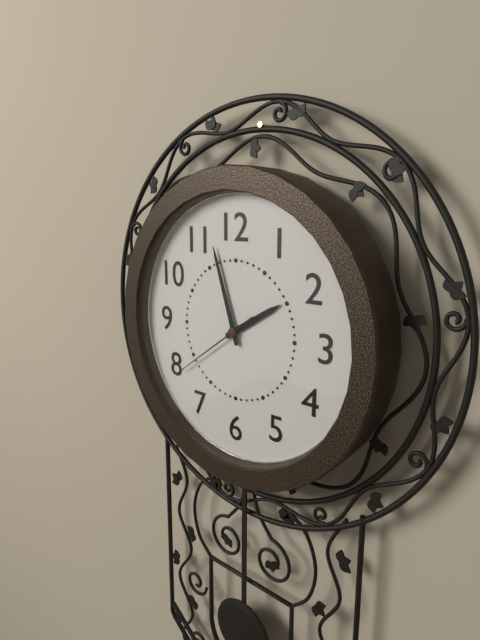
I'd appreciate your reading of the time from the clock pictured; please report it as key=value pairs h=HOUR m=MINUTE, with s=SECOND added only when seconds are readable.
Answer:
h=1 m=57 s=39
